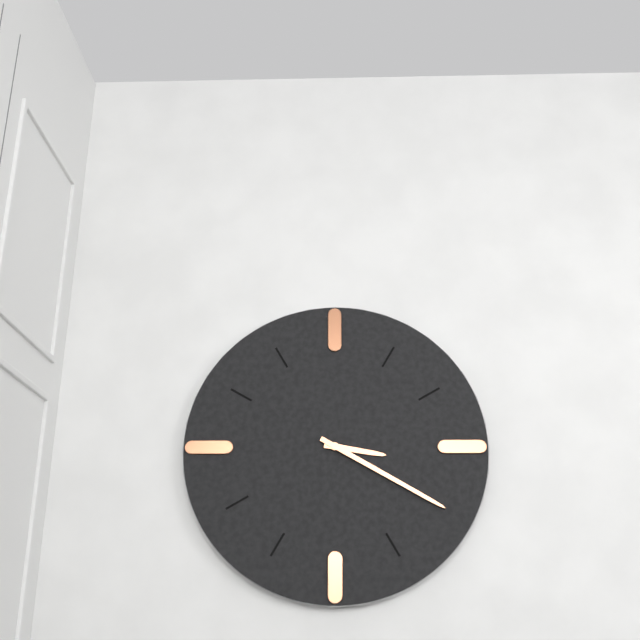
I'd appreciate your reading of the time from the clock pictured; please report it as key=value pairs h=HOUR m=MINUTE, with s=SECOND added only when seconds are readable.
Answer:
h=3 m=20
